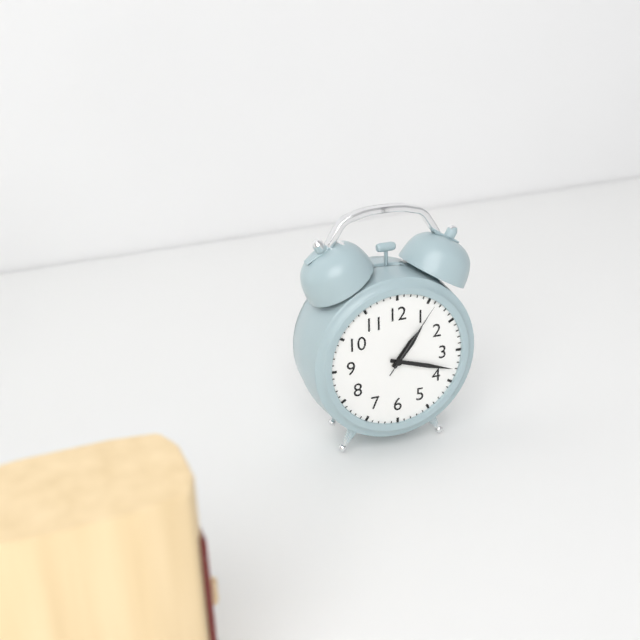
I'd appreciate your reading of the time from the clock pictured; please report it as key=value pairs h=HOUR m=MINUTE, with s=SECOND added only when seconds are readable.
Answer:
h=1 m=18 s=6
